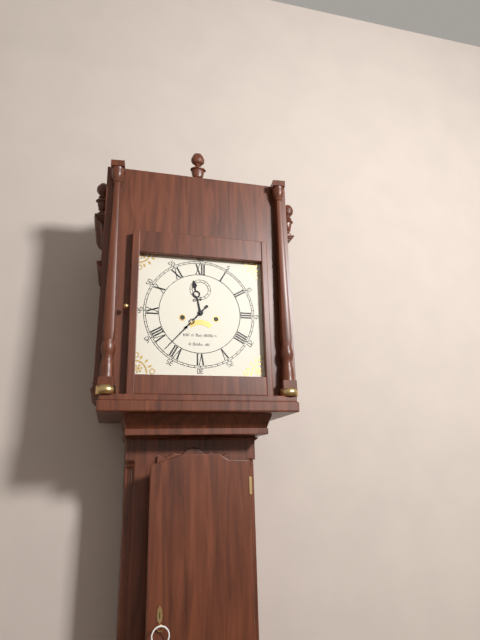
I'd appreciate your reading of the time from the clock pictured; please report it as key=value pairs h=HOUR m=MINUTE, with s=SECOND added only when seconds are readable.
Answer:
h=11 m=37
